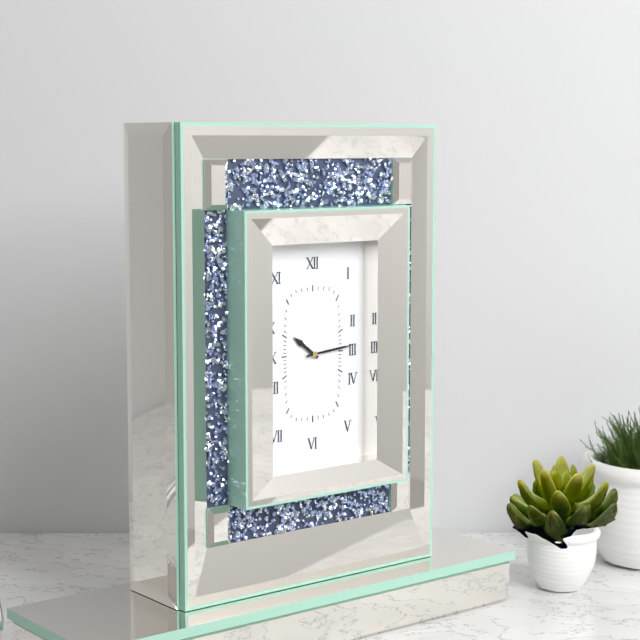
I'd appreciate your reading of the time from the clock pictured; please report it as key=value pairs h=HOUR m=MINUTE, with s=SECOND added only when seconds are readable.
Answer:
h=10 m=14
